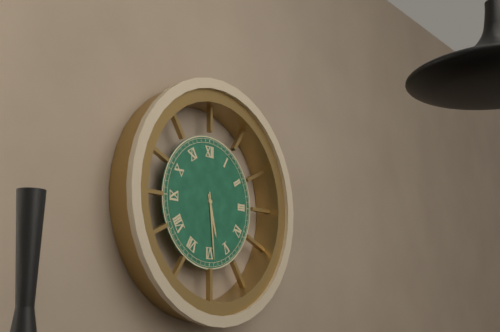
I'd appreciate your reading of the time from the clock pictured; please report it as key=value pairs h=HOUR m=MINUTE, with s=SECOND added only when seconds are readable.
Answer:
h=5 m=29
